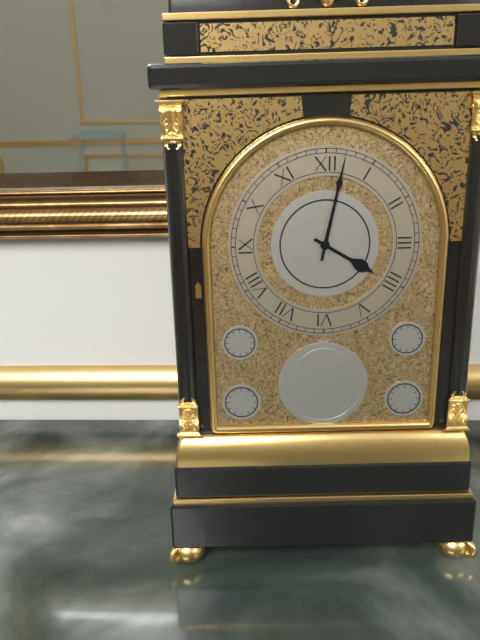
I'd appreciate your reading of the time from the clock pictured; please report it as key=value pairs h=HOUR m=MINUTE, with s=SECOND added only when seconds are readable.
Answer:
h=4 m=2
